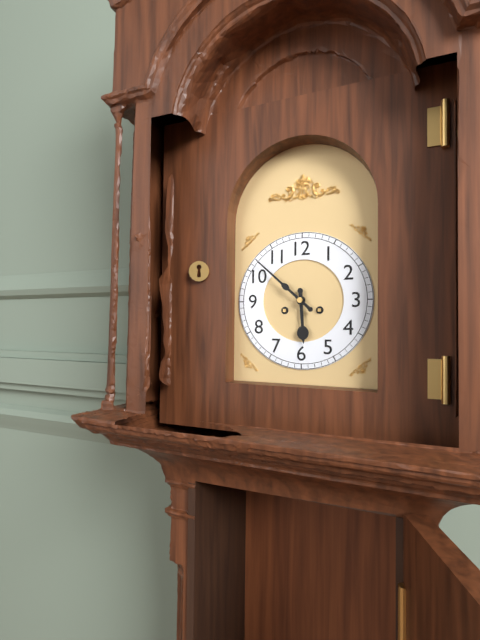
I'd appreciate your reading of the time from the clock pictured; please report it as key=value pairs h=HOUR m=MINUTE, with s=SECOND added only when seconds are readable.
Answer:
h=5 m=52
